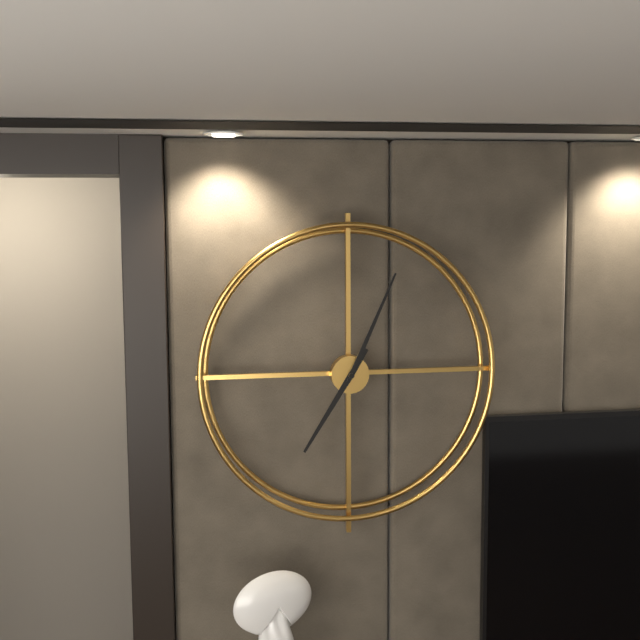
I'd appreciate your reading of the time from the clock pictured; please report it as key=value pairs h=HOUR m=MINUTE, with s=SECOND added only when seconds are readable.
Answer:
h=7 m=4
